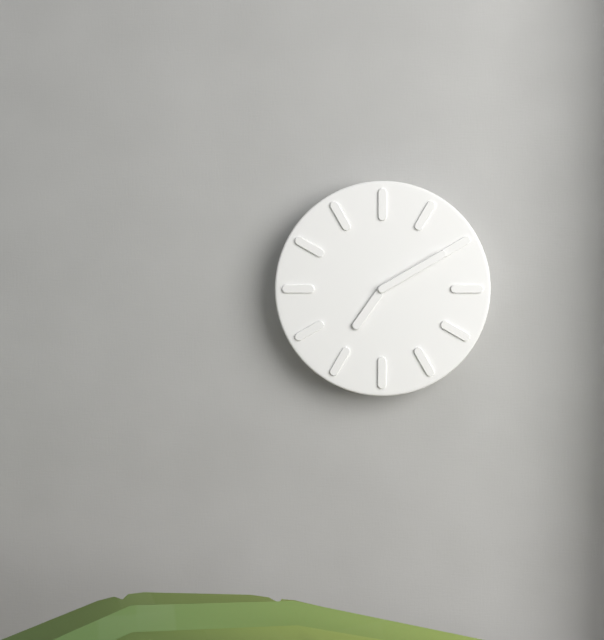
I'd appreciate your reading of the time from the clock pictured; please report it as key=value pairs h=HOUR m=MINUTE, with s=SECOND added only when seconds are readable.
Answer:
h=7 m=10
